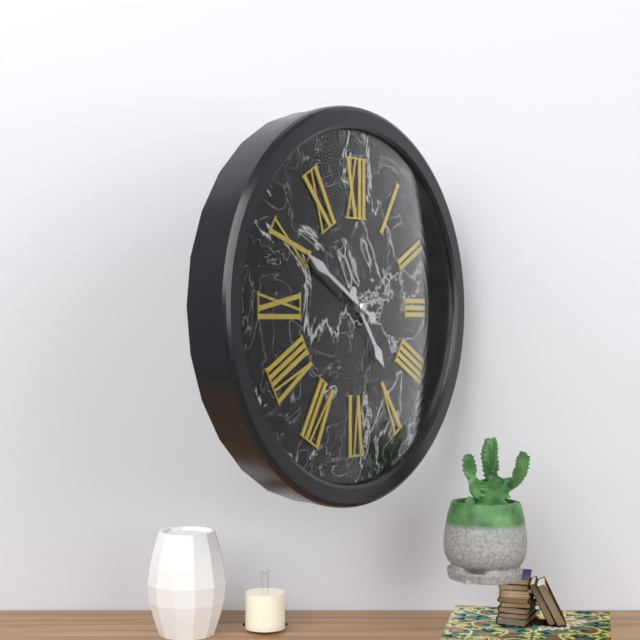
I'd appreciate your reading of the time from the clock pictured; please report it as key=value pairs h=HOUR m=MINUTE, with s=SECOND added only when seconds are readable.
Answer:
h=4 m=50
